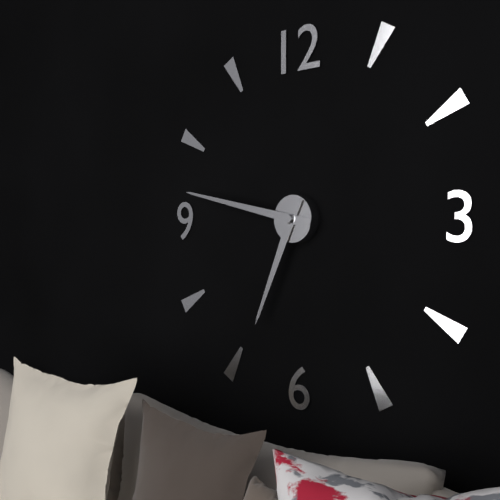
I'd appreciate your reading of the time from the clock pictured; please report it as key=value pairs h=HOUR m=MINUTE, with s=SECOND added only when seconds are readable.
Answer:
h=6 m=47
